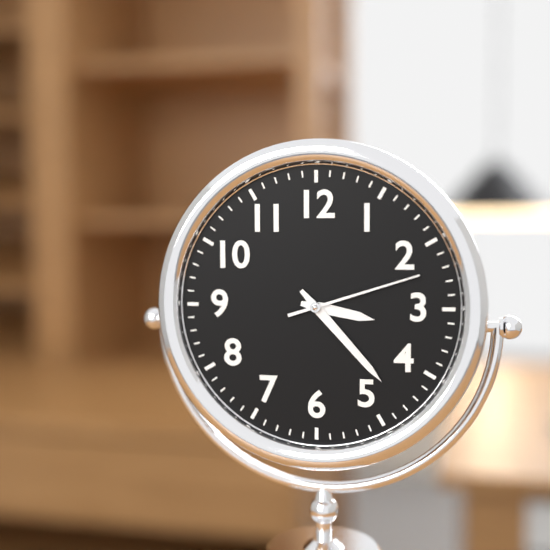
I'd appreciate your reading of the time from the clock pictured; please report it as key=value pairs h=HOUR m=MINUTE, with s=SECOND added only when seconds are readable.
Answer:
h=3 m=23 s=12
